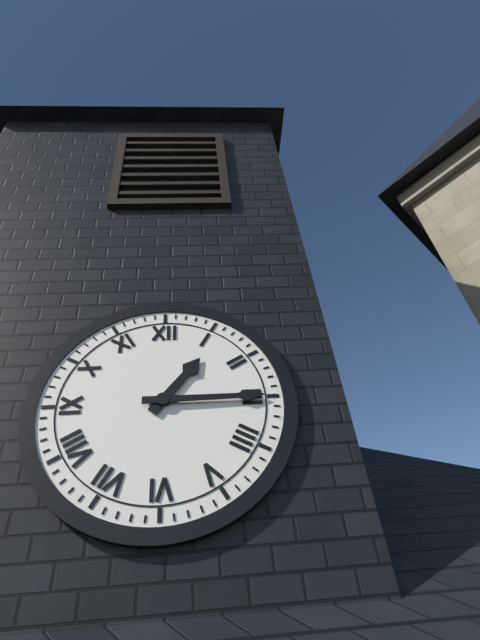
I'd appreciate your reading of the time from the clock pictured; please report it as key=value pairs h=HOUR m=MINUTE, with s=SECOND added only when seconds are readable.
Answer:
h=1 m=15
